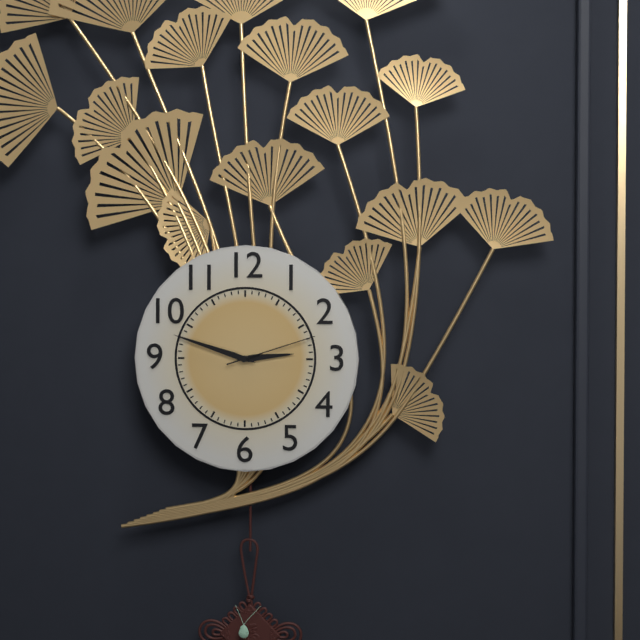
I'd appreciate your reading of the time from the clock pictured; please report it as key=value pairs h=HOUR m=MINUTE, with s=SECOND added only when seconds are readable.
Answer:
h=2 m=48 s=12
